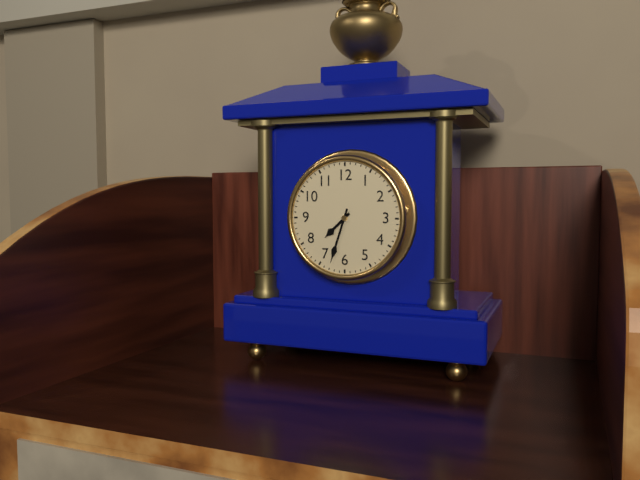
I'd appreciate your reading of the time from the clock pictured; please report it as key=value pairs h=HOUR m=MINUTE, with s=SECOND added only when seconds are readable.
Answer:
h=7 m=33
